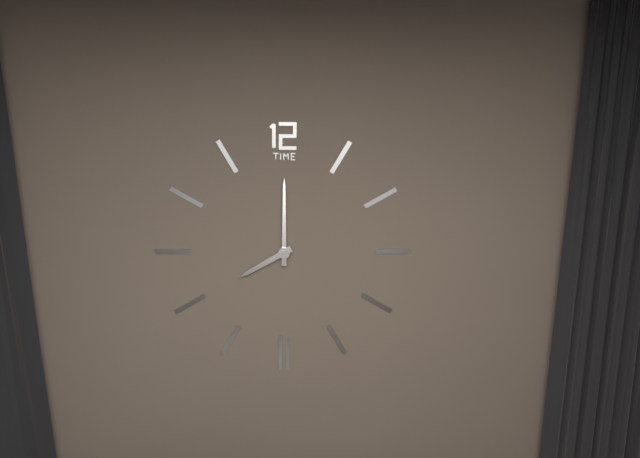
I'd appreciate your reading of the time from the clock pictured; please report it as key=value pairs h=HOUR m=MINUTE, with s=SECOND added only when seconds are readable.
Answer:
h=8 m=0
